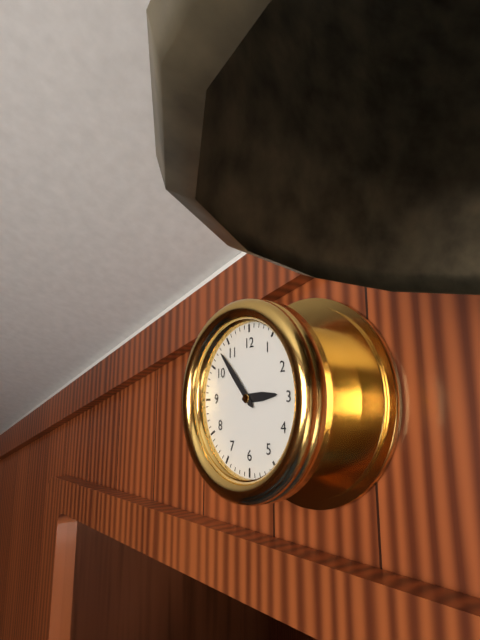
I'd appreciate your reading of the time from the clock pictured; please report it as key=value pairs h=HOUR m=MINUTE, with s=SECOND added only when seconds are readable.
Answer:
h=2 m=53
